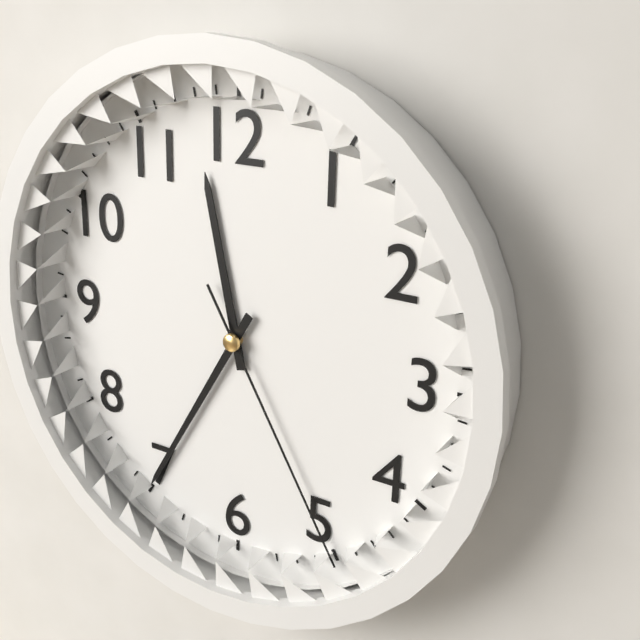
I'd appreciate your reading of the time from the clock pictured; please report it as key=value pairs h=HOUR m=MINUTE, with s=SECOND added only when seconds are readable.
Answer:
h=11 m=35 s=25
